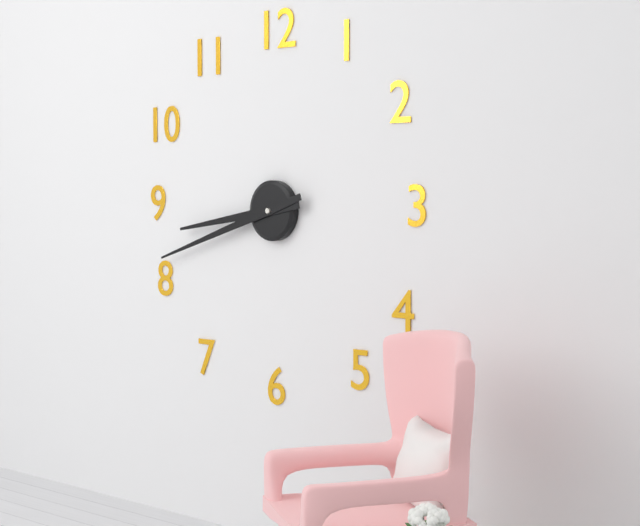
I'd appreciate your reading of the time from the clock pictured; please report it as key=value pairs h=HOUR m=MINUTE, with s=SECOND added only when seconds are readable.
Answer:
h=8 m=42
